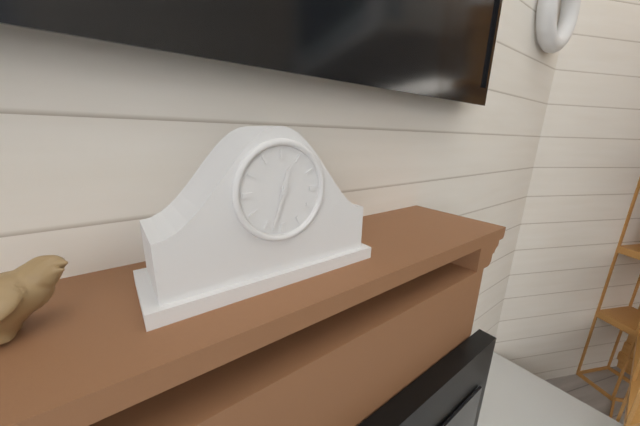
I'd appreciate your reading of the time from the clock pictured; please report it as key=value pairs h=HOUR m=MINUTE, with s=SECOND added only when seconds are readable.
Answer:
h=12 m=33
